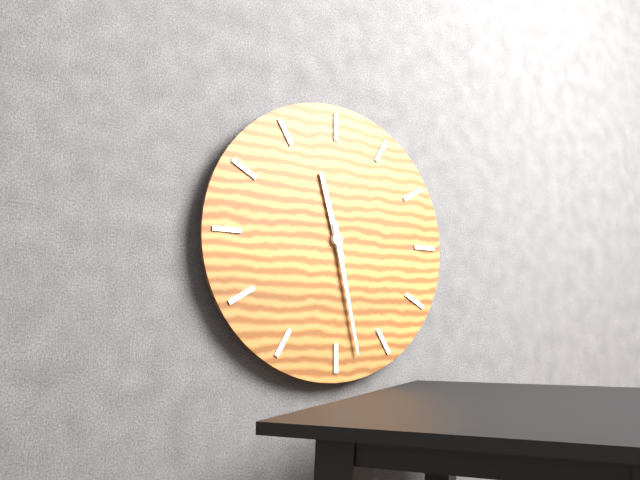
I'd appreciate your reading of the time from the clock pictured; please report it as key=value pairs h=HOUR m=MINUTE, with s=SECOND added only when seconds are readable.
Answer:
h=11 m=28
